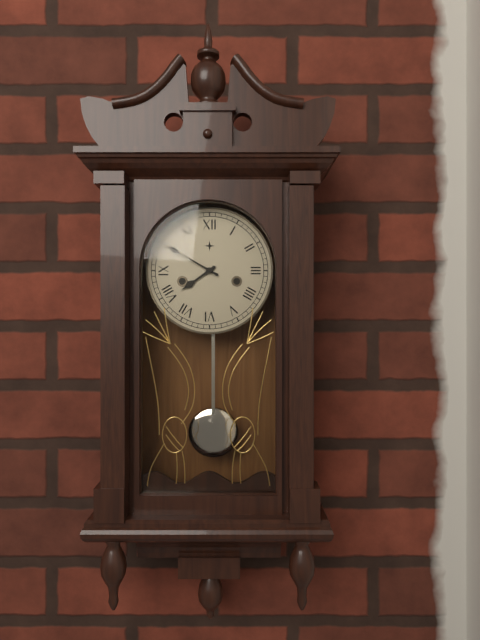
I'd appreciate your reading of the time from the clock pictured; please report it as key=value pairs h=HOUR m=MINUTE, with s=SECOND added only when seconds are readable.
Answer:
h=7 m=50
